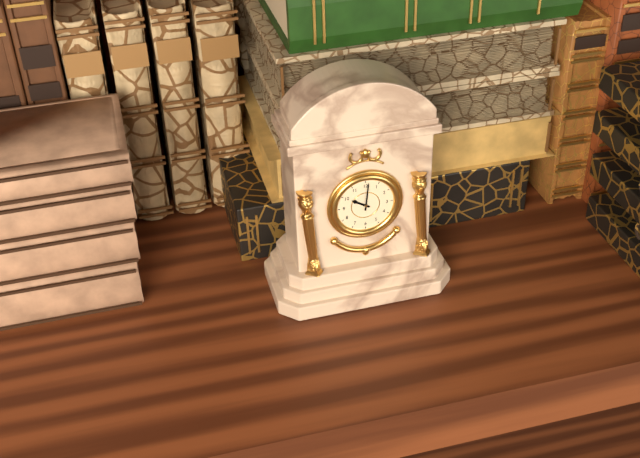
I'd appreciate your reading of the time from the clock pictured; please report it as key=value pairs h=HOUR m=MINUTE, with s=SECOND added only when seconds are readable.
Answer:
h=10 m=1
